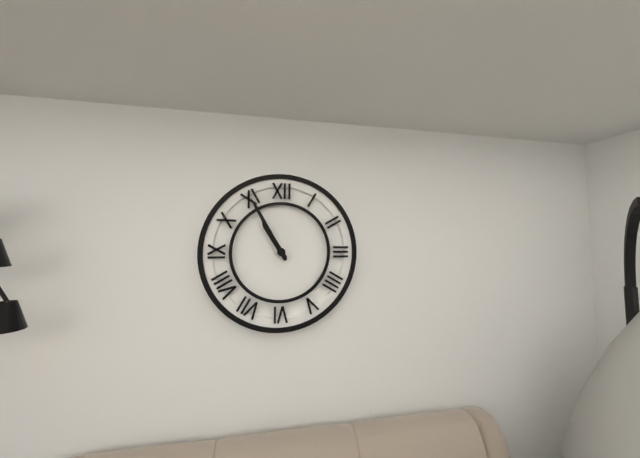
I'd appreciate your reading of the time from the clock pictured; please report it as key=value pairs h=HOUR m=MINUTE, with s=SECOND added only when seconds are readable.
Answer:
h=10 m=55
